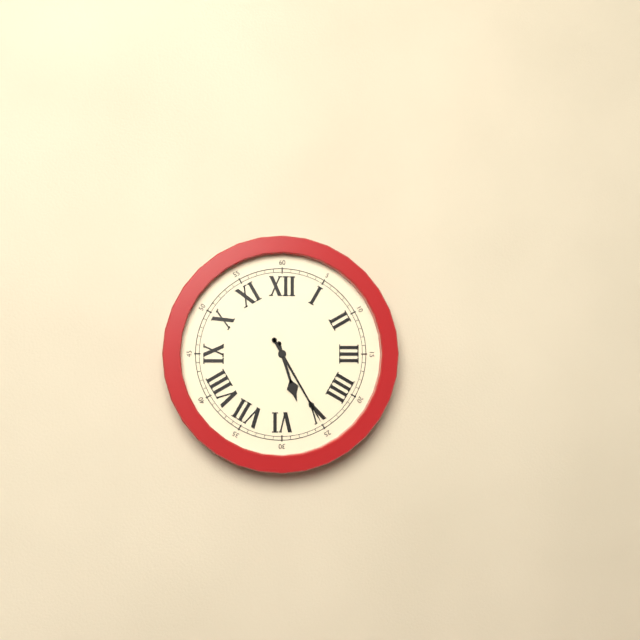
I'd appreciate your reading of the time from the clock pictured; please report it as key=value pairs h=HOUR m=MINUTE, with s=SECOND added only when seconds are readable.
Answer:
h=5 m=25
